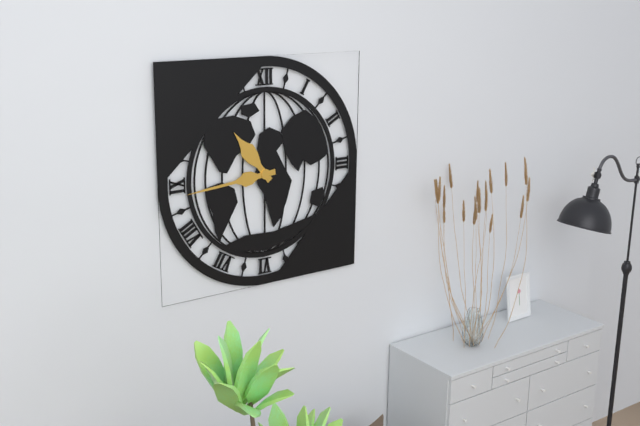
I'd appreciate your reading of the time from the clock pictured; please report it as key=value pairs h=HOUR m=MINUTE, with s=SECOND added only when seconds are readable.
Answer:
h=10 m=44
